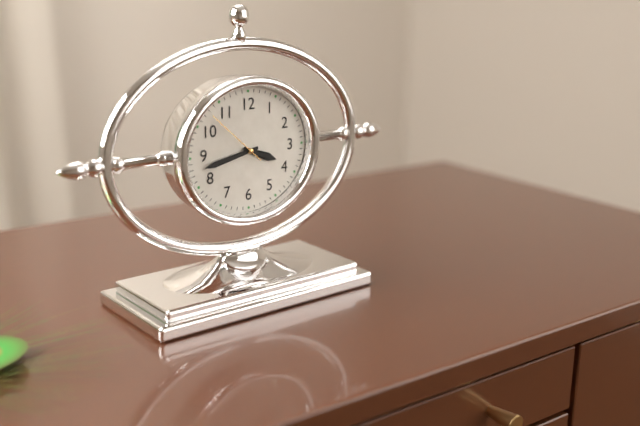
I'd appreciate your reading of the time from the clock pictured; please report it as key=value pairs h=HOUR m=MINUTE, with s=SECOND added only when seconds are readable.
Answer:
h=3 m=43 s=52
